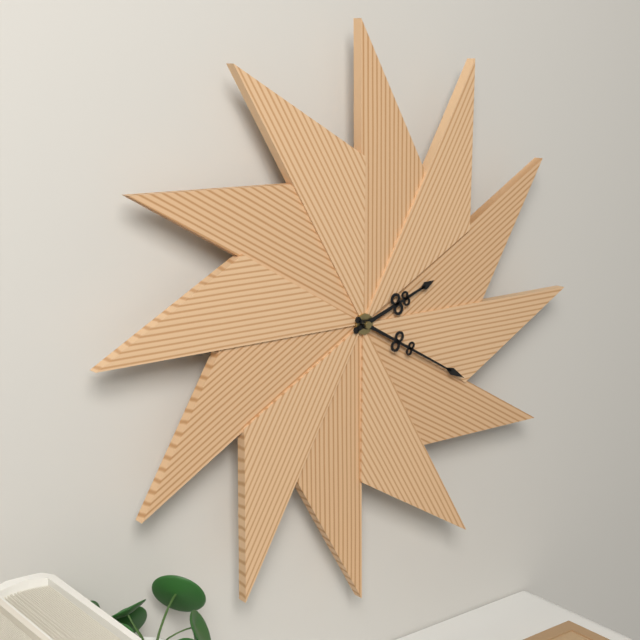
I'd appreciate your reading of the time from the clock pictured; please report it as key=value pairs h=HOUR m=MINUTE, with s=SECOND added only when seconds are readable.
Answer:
h=2 m=20
